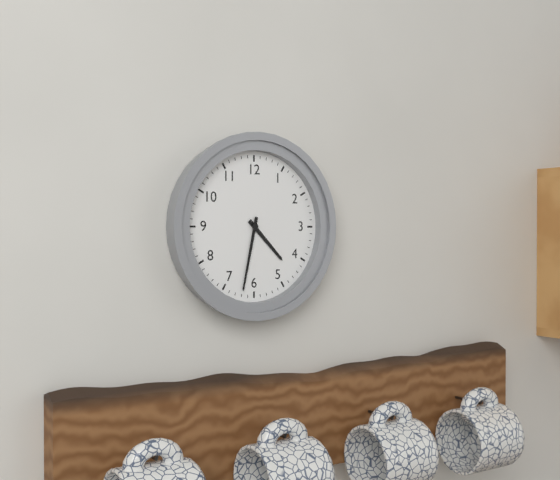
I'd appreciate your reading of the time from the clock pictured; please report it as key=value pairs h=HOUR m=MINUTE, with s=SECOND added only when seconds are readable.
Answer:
h=4 m=32
